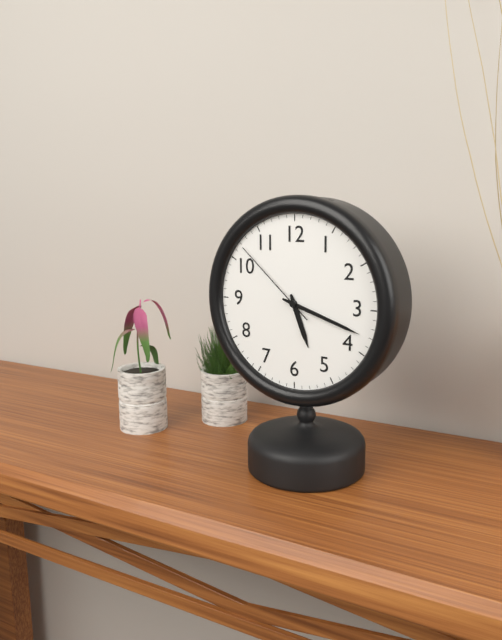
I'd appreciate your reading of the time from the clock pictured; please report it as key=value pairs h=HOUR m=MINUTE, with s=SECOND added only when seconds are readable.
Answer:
h=5 m=18 s=52
